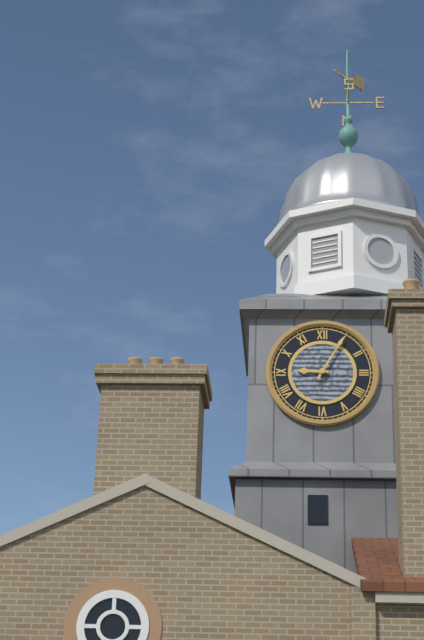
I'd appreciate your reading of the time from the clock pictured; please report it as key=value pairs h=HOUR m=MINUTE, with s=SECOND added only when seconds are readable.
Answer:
h=9 m=5
